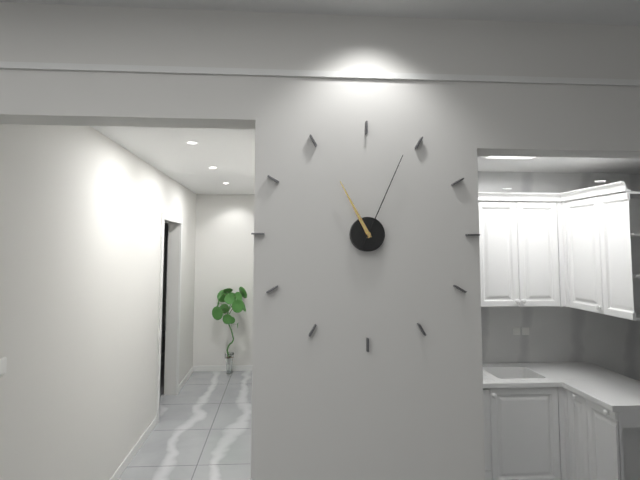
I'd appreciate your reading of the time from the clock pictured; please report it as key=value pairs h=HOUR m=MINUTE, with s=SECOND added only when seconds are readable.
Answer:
h=11 m=4
